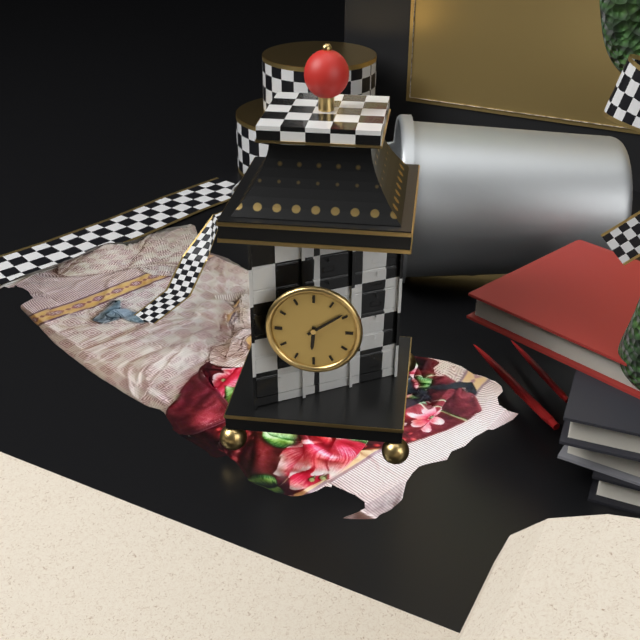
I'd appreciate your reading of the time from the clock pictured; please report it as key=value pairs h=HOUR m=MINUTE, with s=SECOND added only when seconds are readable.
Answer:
h=6 m=9
